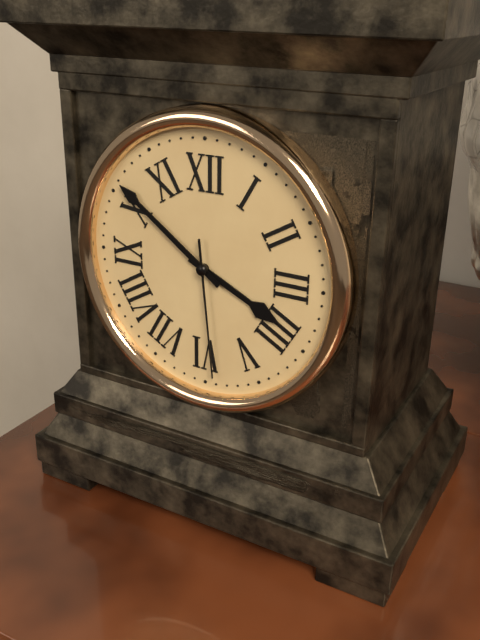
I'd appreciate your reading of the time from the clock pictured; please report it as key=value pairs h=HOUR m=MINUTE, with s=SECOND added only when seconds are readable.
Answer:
h=3 m=51 s=29
